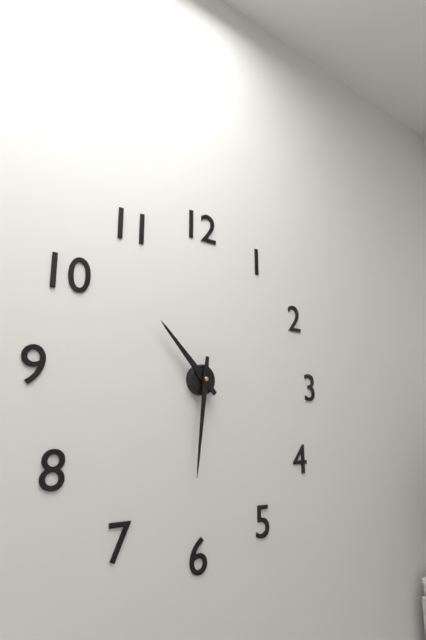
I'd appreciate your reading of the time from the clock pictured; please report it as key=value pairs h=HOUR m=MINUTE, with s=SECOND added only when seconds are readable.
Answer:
h=10 m=31
